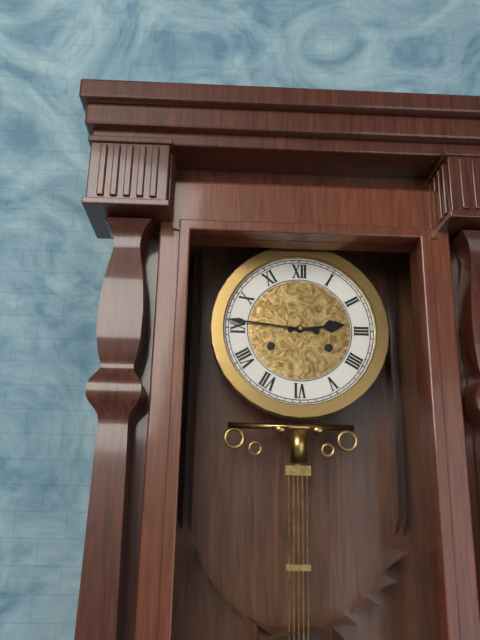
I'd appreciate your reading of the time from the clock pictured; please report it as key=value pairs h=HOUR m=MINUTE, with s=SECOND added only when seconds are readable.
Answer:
h=2 m=46
